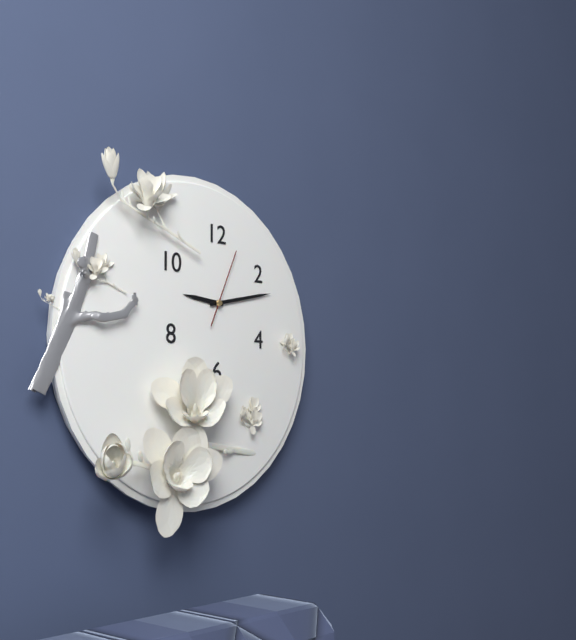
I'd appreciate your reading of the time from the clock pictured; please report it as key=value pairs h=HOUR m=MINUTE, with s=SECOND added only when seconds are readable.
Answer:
h=9 m=13 s=4
